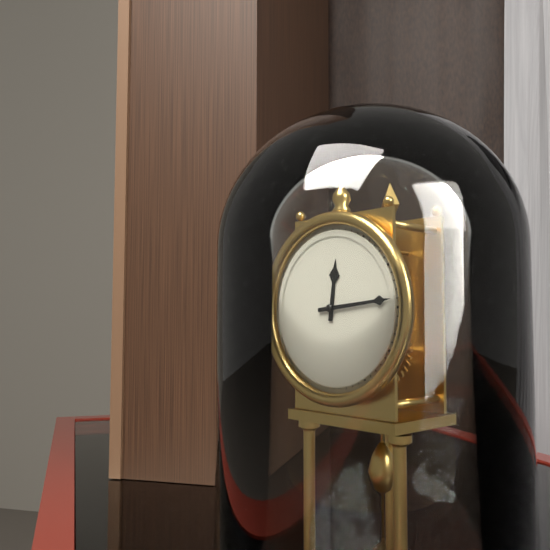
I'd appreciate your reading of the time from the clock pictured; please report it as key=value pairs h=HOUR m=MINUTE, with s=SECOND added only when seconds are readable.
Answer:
h=12 m=14
